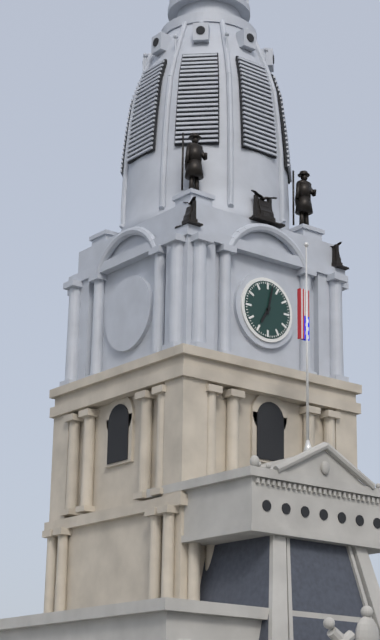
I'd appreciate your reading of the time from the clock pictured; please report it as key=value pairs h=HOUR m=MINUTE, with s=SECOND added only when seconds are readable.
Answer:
h=7 m=2
